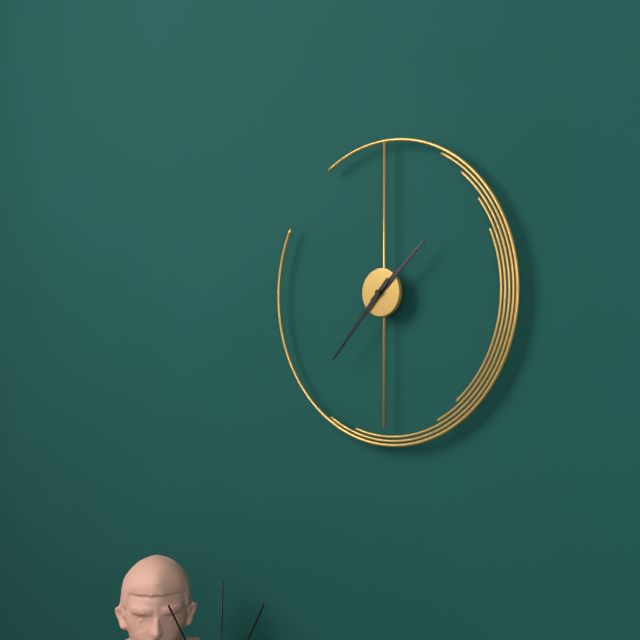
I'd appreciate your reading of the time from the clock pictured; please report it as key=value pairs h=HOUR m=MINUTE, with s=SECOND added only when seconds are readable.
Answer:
h=1 m=37
